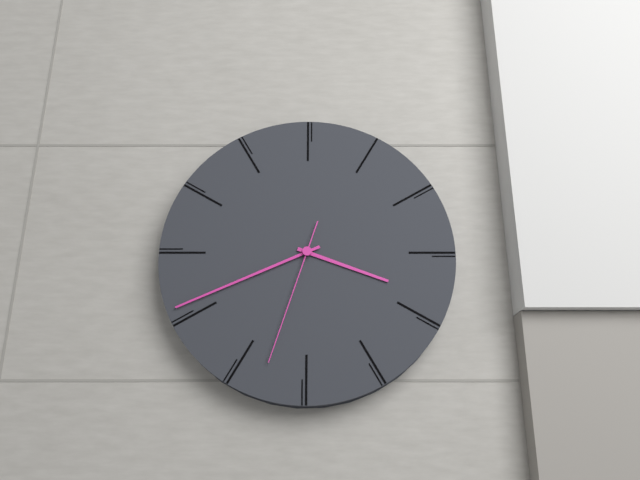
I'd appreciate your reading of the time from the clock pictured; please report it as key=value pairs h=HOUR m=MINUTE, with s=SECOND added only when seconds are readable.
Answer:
h=3 m=41 s=33
